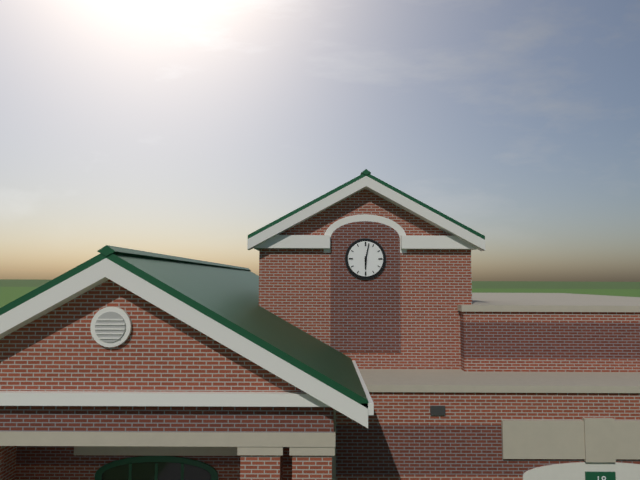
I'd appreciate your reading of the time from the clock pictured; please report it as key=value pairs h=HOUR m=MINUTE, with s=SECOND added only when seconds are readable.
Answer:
h=6 m=2
